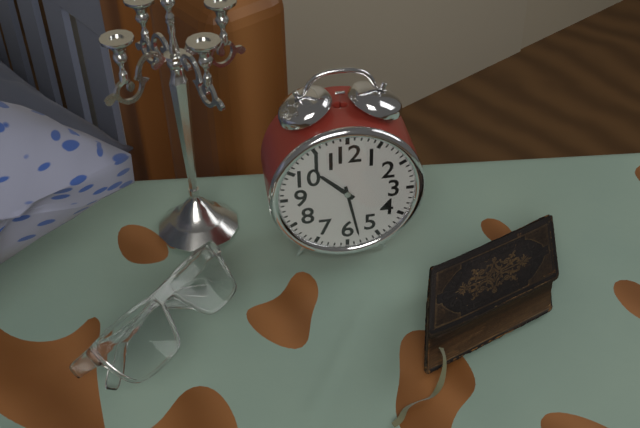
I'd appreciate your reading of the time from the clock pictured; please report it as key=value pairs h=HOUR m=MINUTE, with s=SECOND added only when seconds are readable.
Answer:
h=10 m=28
